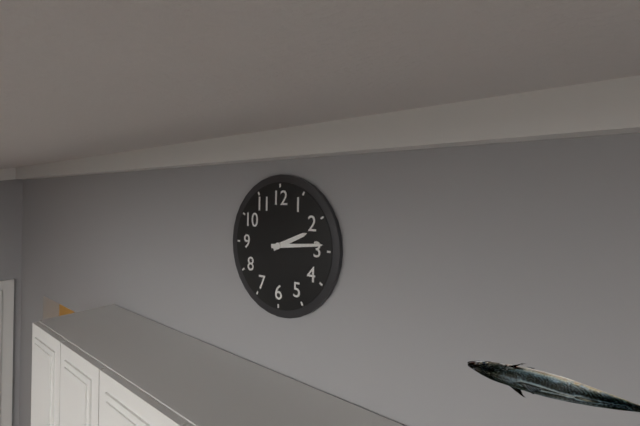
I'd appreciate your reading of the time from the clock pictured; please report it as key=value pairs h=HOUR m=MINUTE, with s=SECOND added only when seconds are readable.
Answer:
h=2 m=14
